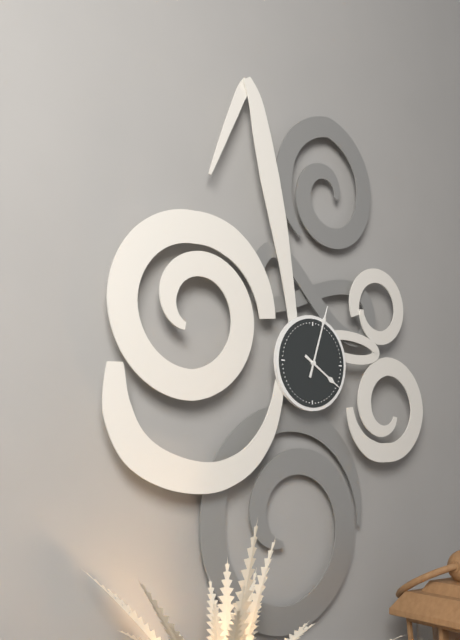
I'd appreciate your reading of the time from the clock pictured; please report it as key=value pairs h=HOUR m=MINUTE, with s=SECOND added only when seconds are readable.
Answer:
h=4 m=3
